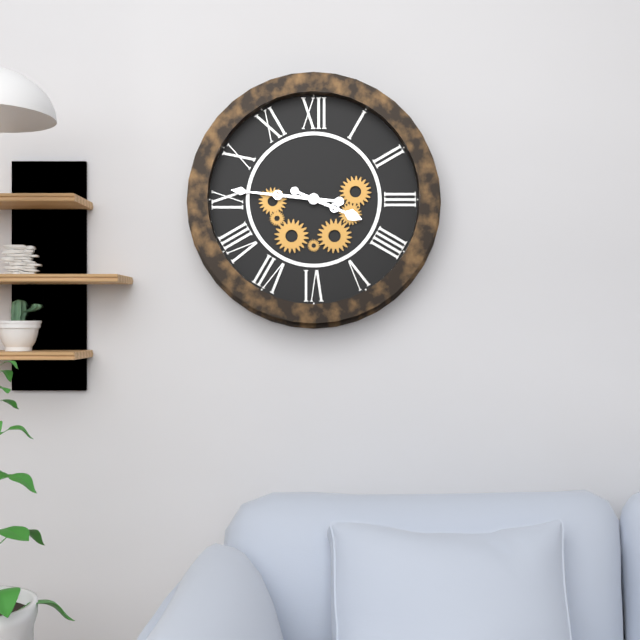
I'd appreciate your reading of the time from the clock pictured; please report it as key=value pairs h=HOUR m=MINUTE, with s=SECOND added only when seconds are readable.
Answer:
h=3 m=46
